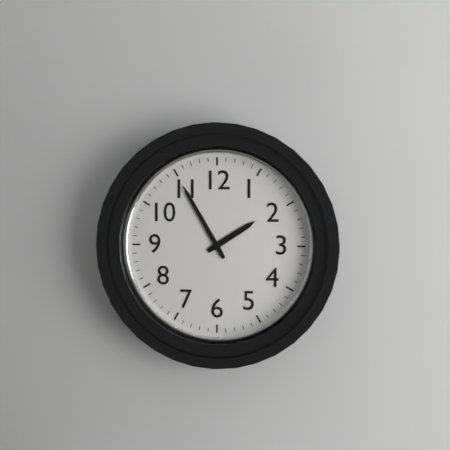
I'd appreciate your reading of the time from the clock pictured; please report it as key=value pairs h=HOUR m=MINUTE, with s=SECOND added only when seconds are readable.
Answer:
h=1 m=55
